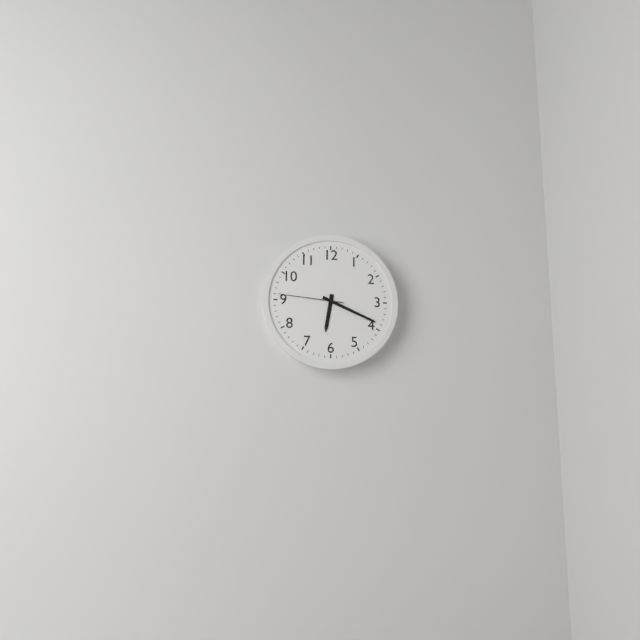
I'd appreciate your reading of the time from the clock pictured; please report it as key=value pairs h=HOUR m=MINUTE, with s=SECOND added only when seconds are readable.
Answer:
h=6 m=19 s=46
